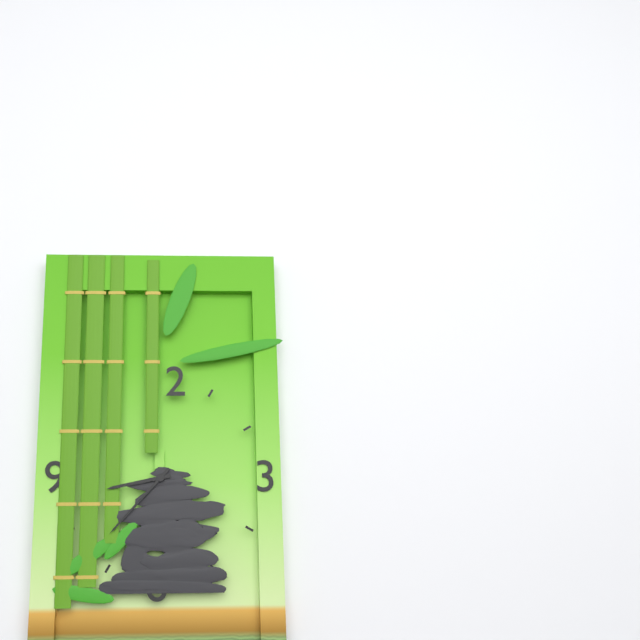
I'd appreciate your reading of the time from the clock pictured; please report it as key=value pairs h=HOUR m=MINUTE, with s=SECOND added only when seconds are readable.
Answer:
h=8 m=37
